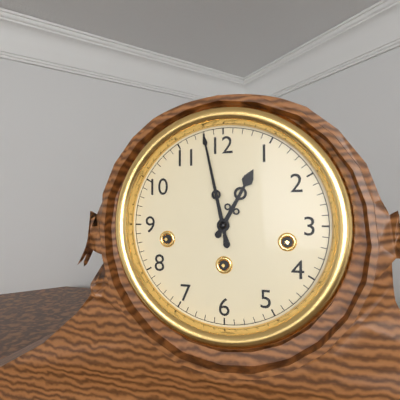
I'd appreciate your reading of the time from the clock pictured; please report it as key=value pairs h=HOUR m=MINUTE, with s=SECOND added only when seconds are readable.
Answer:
h=12 m=58
